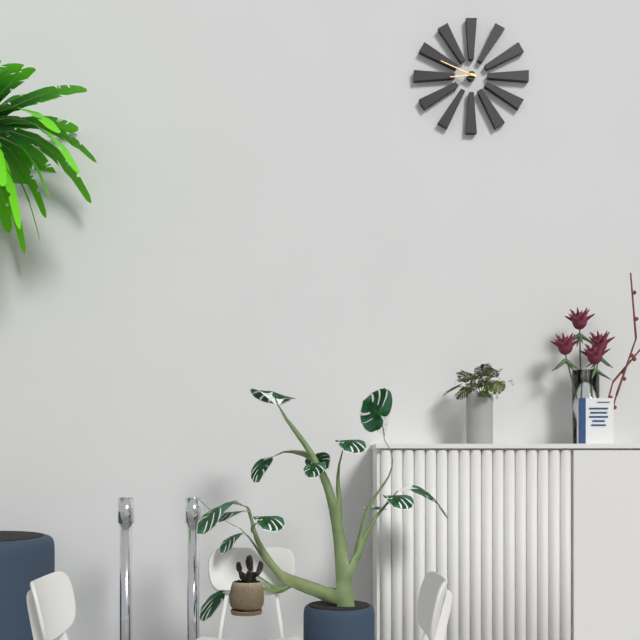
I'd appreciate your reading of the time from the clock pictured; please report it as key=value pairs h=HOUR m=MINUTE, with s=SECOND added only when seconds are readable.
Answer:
h=8 m=49
